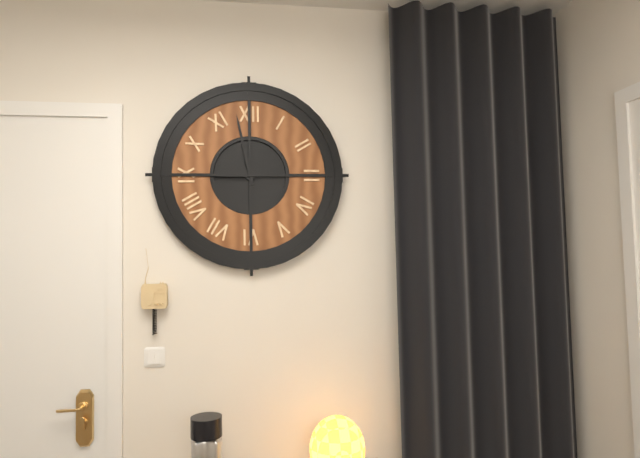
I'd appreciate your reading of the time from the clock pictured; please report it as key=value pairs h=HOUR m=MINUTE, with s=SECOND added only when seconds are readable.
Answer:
h=8 m=58
